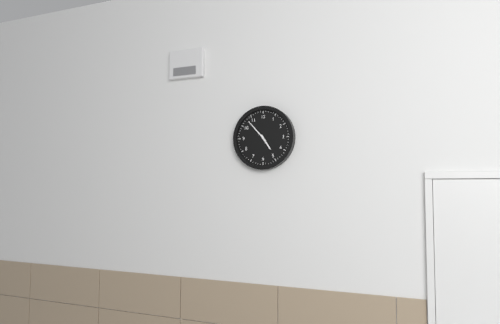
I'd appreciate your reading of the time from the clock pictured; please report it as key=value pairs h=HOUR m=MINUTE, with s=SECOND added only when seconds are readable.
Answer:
h=4 m=53
